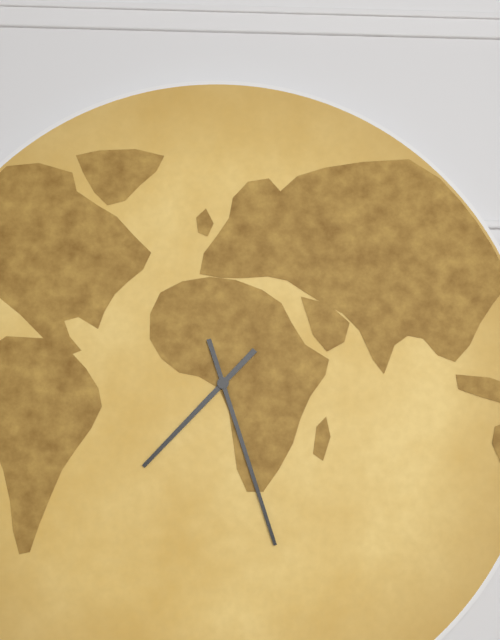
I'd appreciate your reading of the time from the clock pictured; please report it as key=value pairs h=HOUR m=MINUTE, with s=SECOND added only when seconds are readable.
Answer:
h=7 m=27
